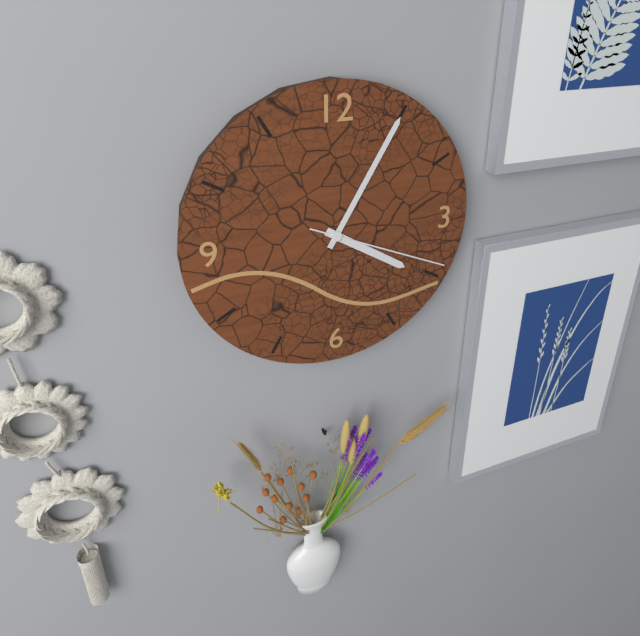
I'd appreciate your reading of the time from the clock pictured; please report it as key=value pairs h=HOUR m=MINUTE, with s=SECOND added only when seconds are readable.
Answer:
h=4 m=5 s=19
